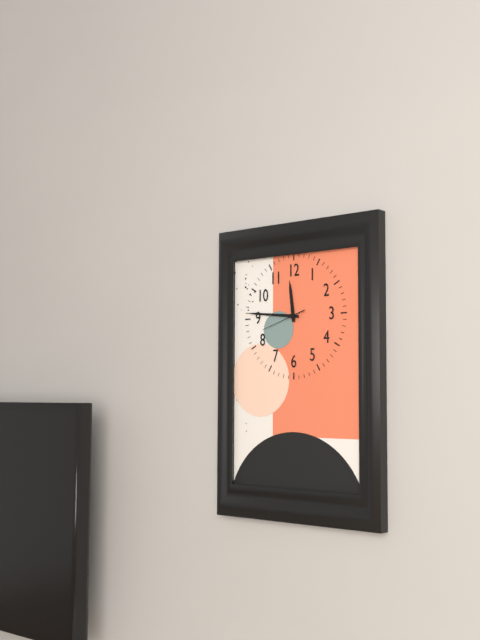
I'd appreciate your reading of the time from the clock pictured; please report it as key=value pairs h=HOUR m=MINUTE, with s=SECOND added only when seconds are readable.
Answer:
h=11 m=46
